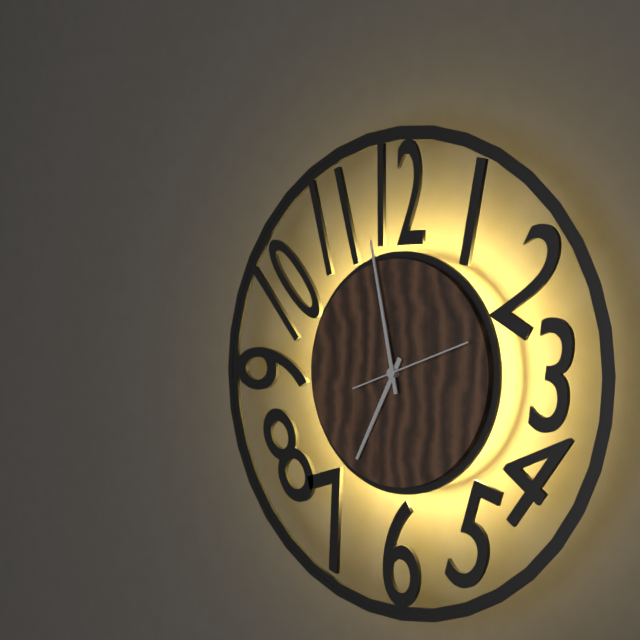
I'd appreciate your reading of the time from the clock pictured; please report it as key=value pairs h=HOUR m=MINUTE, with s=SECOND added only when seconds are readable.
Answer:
h=6 m=58 s=12
